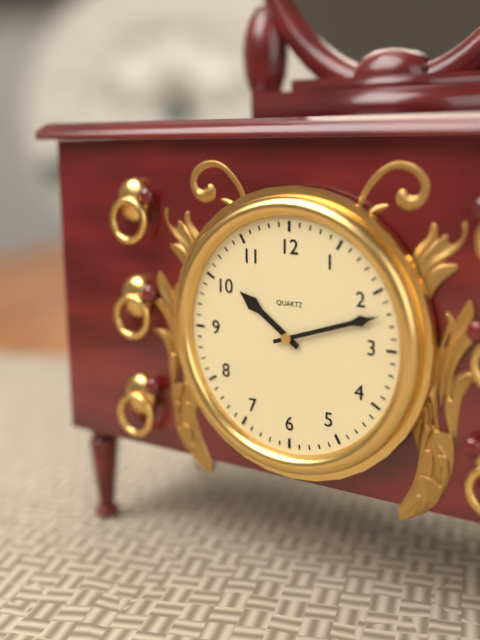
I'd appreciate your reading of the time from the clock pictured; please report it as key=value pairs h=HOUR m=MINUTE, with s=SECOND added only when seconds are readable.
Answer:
h=10 m=12
